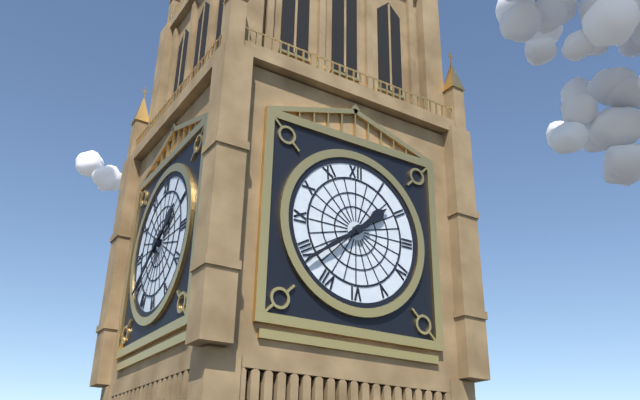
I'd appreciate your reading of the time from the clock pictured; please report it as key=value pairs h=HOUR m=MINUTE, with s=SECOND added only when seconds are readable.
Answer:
h=1 m=39
